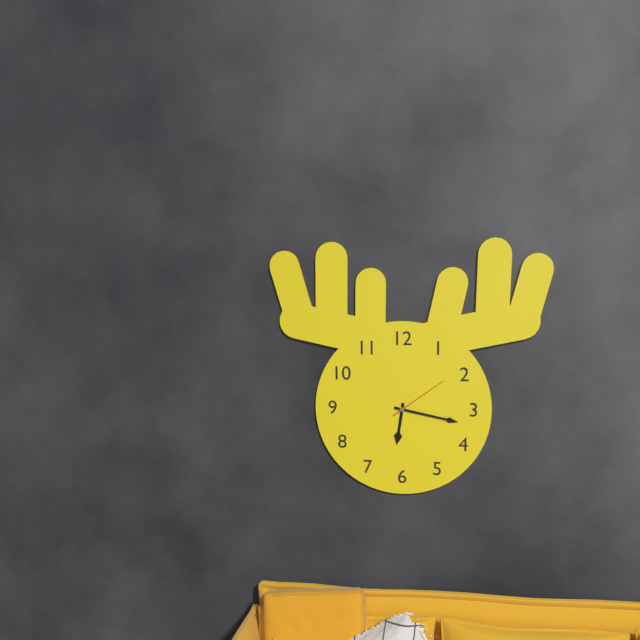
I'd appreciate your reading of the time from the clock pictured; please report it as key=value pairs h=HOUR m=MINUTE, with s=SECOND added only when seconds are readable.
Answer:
h=6 m=17 s=9
